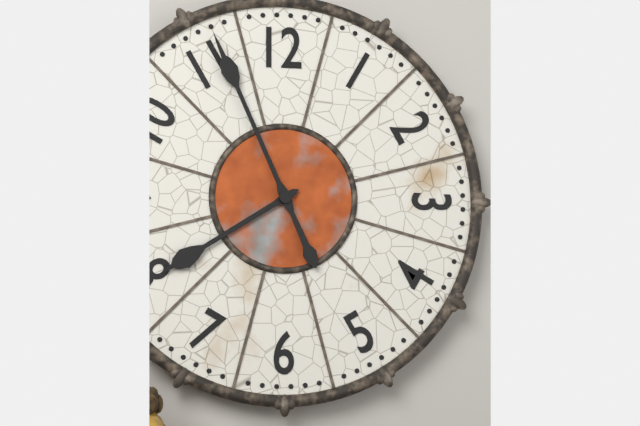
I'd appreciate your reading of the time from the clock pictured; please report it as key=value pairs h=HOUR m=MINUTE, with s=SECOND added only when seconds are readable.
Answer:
h=7 m=56
